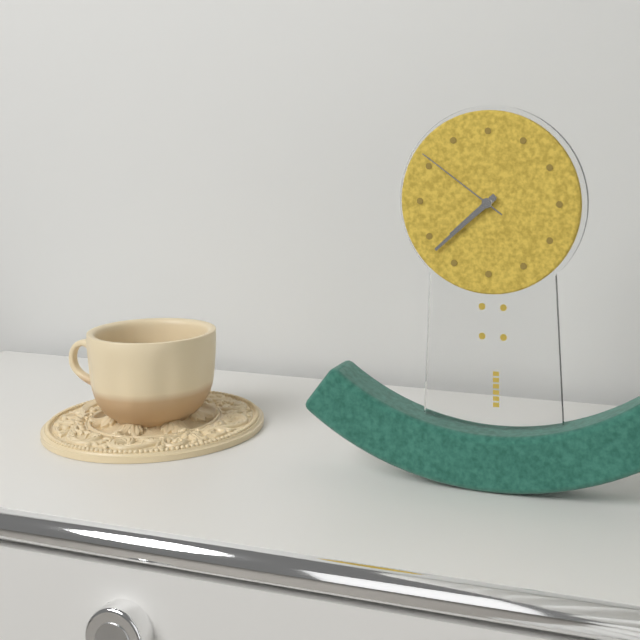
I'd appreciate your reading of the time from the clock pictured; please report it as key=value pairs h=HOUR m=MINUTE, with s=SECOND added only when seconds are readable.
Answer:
h=7 m=38 s=51
